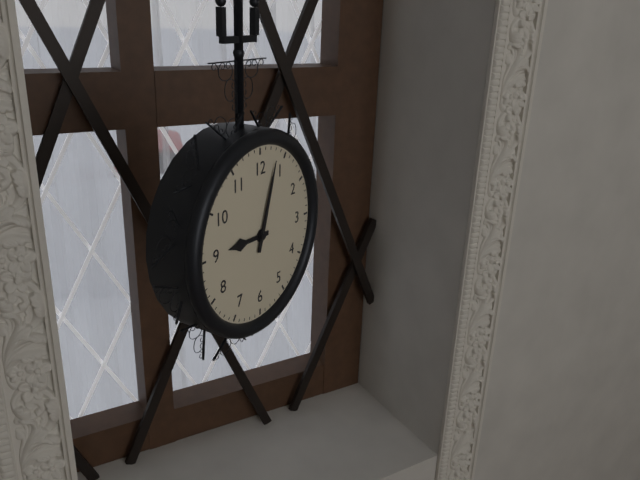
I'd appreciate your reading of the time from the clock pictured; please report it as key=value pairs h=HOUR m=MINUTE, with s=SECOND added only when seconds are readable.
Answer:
h=9 m=3
